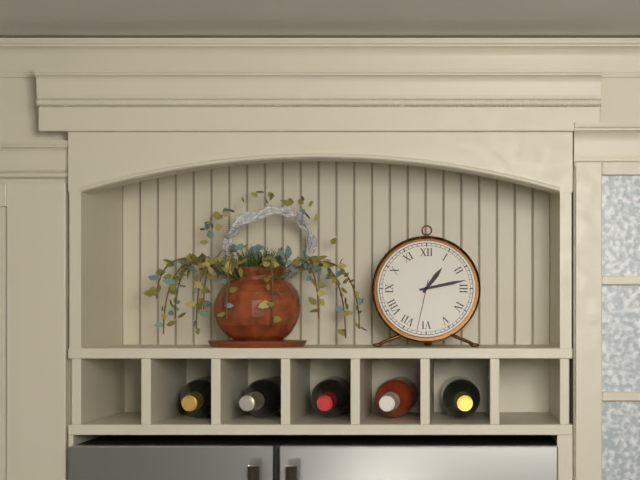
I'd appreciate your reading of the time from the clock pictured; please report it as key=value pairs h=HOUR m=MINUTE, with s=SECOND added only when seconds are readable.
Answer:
h=1 m=13 s=32
